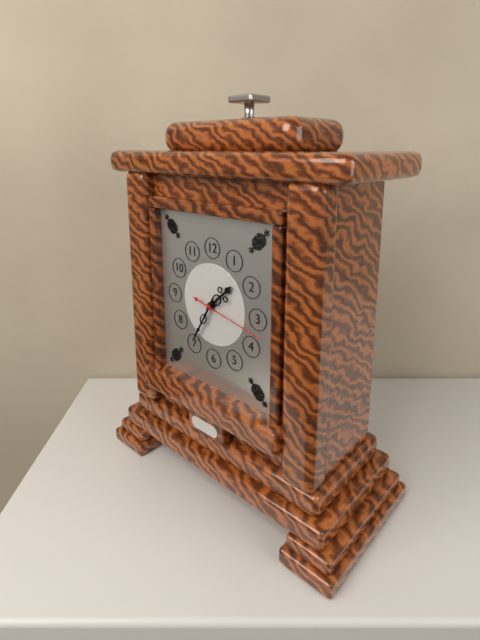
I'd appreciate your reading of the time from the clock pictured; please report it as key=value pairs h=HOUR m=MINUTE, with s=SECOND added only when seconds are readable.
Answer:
h=1 m=35 s=17
